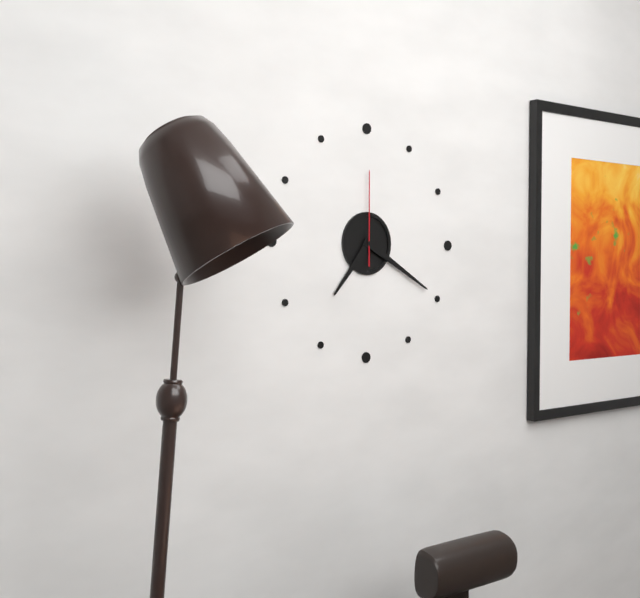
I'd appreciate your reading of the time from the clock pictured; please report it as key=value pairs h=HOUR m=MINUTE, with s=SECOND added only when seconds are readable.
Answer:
h=7 m=20 s=0
